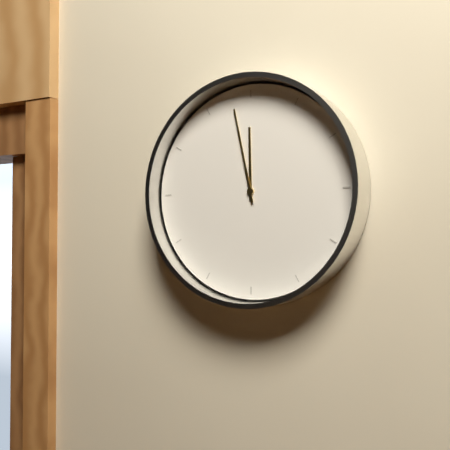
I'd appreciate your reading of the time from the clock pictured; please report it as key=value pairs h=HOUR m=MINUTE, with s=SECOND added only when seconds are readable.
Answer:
h=11 m=58
